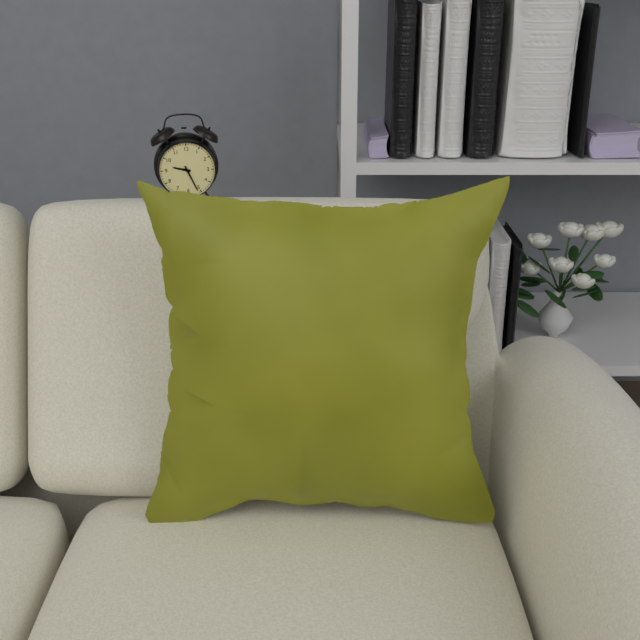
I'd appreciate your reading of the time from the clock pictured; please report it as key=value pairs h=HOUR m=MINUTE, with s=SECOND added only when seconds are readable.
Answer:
h=9 m=26
